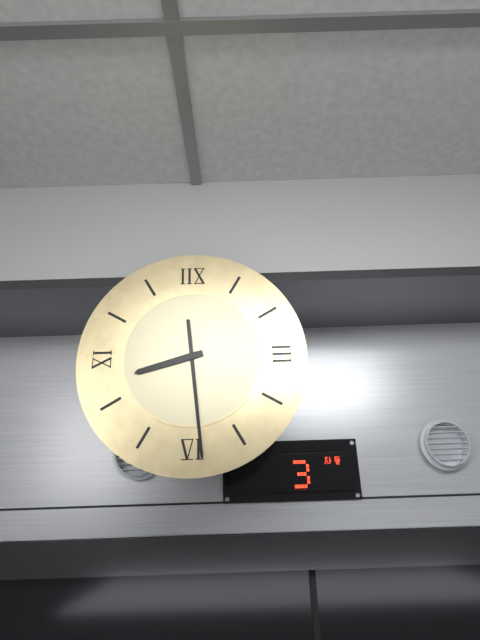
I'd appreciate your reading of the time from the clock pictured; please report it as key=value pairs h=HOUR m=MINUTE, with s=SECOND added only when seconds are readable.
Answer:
h=8 m=29
